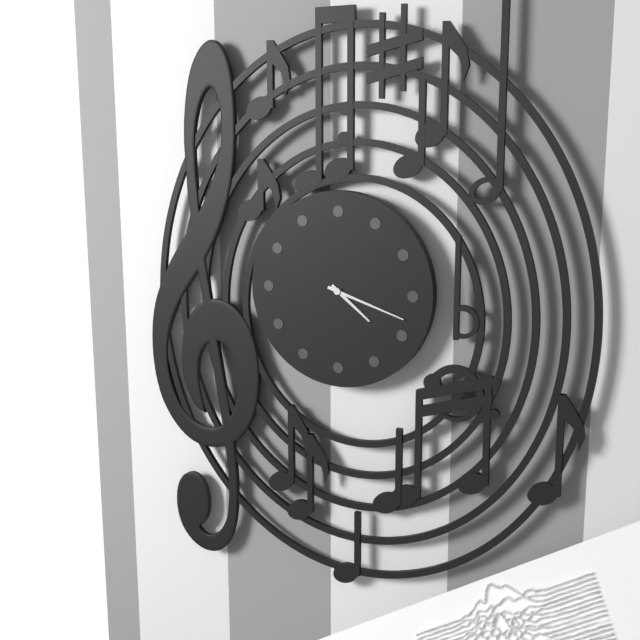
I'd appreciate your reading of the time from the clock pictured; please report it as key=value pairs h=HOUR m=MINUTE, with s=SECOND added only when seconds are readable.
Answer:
h=4 m=18
